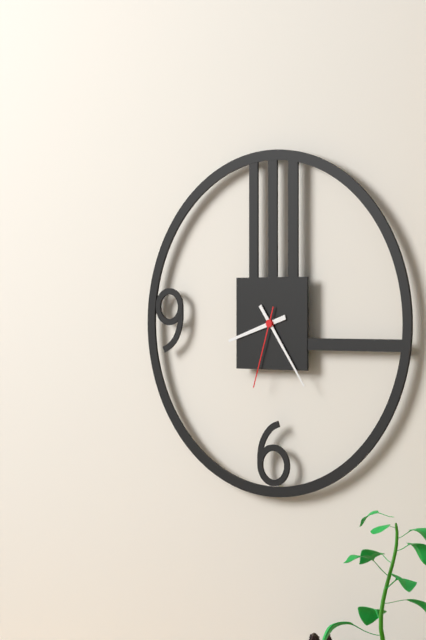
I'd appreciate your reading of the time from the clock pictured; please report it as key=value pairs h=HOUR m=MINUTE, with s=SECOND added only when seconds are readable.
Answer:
h=8 m=24 s=33
